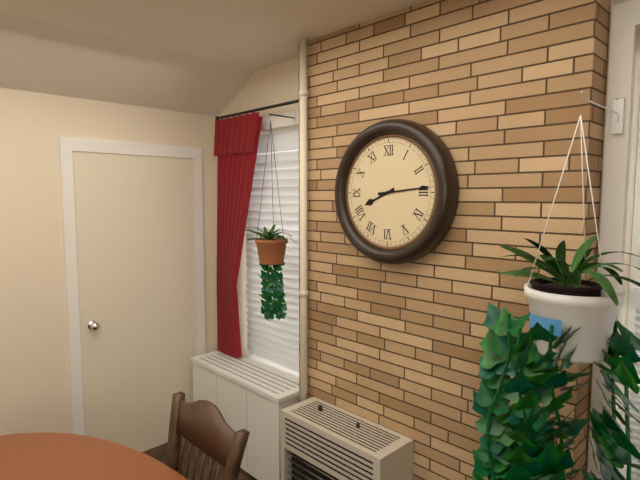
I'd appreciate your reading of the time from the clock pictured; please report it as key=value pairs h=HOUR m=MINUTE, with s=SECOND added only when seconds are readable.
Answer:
h=8 m=14
